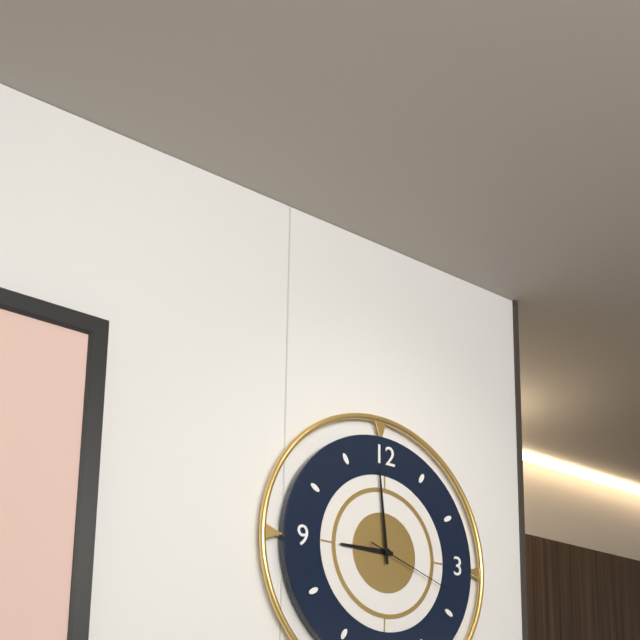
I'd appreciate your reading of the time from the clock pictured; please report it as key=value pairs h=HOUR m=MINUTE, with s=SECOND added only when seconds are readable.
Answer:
h=8 m=59 s=18
